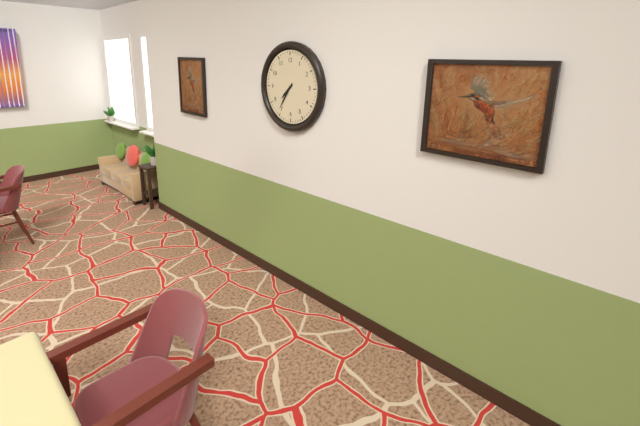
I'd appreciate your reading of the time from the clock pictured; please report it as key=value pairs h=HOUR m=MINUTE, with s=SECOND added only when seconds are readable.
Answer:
h=7 m=36
